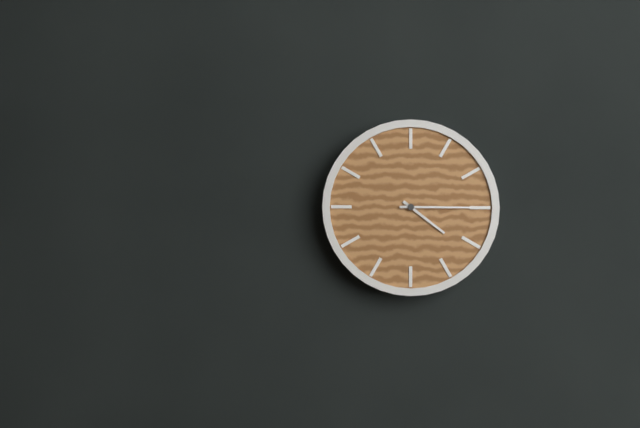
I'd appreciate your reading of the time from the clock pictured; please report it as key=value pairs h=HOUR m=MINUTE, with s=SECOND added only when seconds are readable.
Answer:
h=4 m=15
